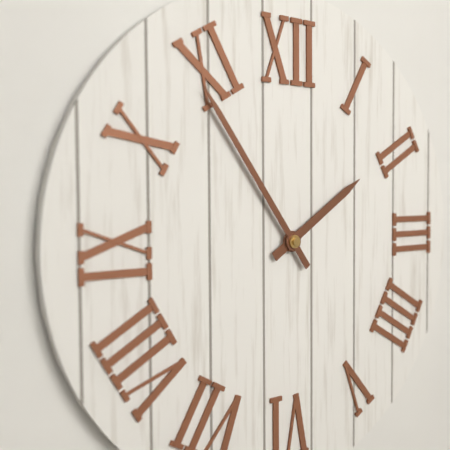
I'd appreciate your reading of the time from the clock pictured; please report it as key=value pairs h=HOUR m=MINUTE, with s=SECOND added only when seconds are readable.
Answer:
h=1 m=54
